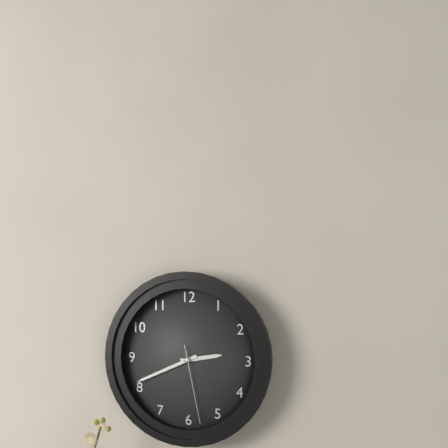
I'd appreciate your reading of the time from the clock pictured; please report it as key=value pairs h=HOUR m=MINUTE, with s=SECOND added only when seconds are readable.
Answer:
h=2 m=41 s=28
